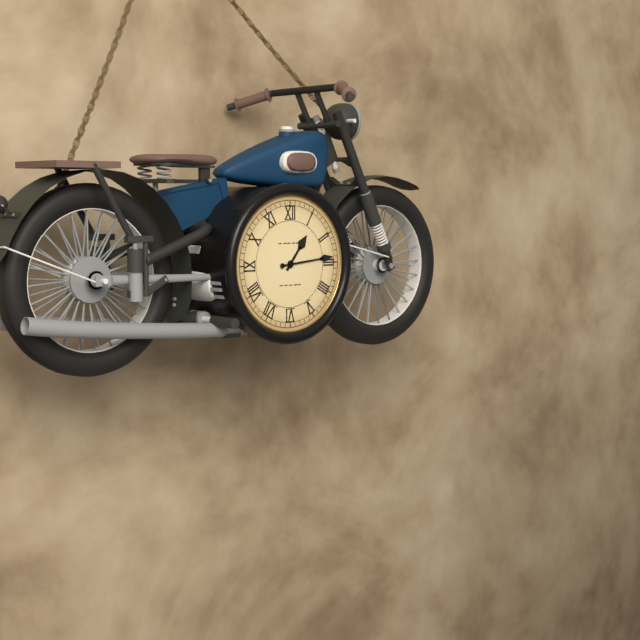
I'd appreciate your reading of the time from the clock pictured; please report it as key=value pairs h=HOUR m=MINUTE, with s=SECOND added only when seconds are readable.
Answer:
h=1 m=14
